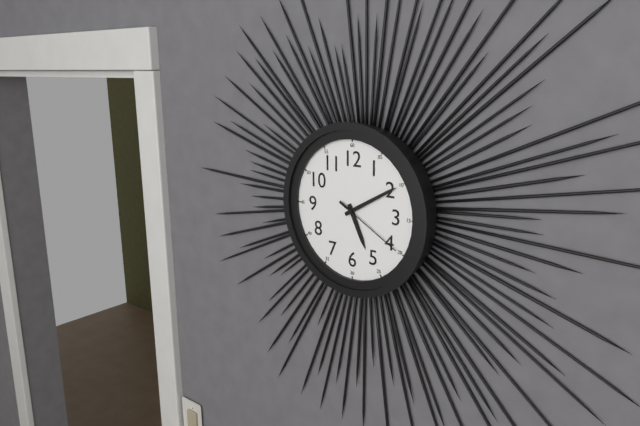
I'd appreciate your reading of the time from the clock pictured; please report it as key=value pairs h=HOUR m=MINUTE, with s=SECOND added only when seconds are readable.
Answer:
h=5 m=10 s=20
